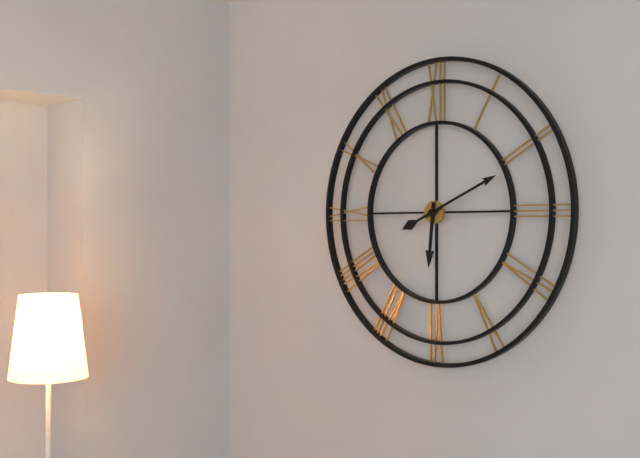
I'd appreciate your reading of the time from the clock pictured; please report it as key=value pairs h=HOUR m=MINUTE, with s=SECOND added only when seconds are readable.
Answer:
h=6 m=11
